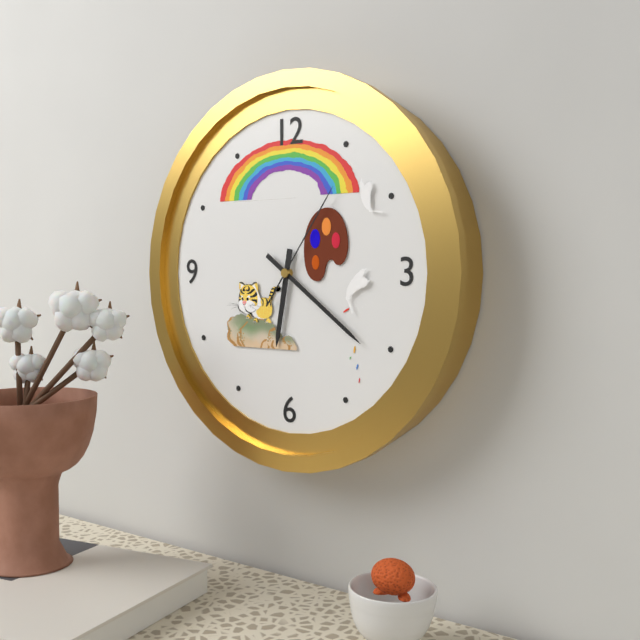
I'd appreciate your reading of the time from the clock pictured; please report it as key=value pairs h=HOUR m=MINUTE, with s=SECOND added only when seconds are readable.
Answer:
h=6 m=21 s=6
